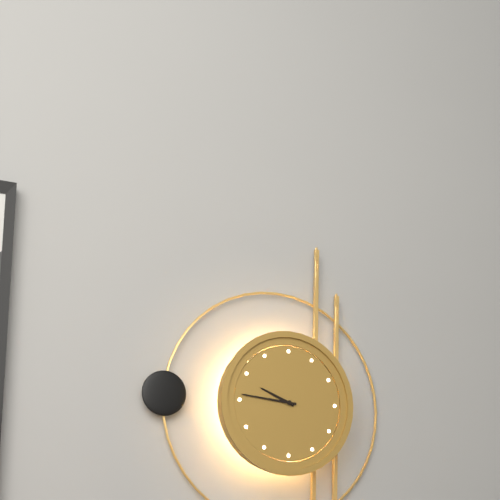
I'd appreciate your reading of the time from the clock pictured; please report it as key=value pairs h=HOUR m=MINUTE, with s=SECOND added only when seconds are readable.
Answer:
h=9 m=46
